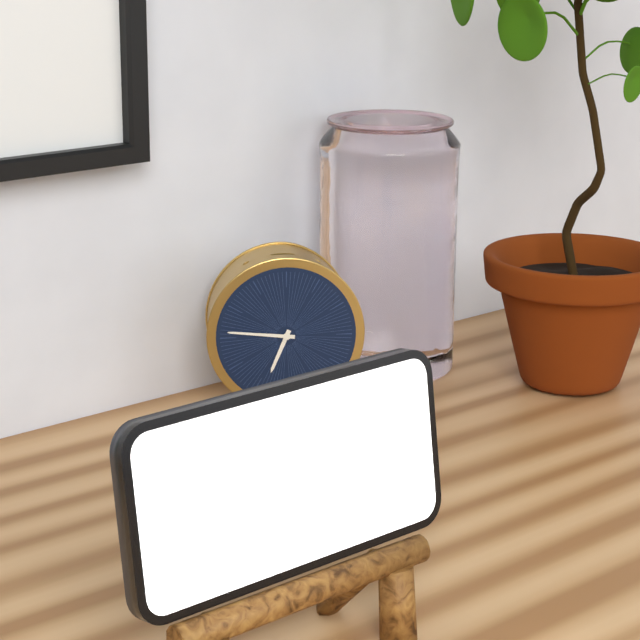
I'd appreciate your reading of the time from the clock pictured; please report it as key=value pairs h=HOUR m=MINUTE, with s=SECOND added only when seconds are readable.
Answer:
h=6 m=46
